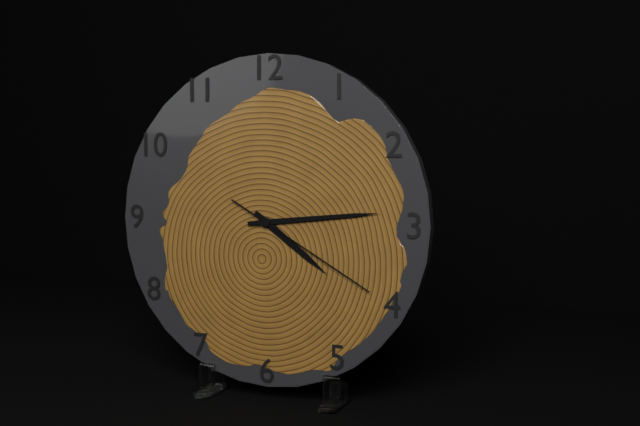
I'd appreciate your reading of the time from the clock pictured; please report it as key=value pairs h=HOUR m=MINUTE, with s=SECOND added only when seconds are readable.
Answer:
h=4 m=14 s=20
